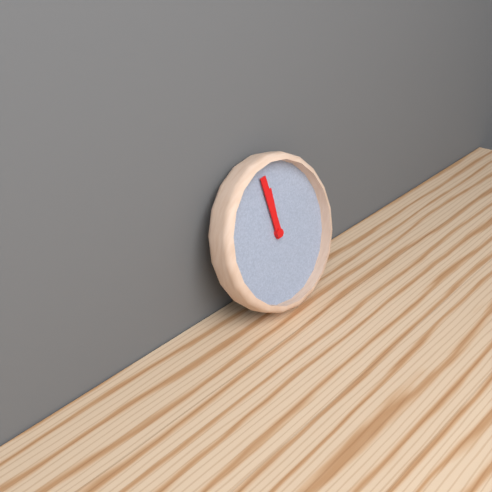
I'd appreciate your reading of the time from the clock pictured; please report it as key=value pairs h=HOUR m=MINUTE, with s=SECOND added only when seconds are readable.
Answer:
h=11 m=59
